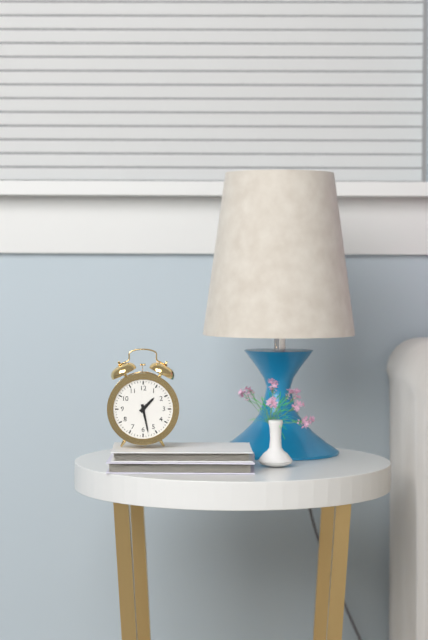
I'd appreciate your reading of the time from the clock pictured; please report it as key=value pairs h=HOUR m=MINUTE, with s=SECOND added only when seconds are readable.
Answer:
h=1 m=28
